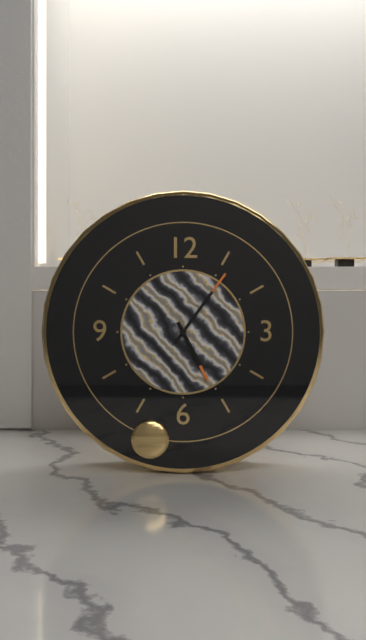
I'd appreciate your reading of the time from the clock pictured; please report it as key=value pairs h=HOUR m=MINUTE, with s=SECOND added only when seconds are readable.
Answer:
h=5 m=6
